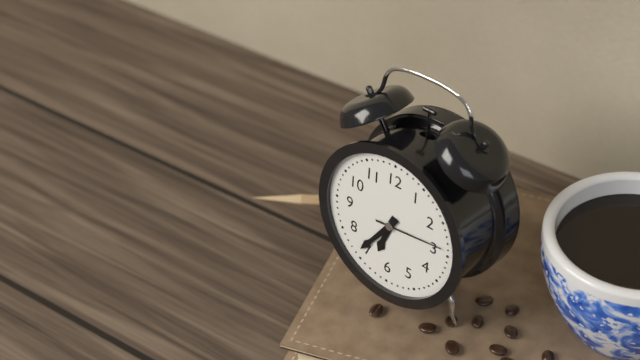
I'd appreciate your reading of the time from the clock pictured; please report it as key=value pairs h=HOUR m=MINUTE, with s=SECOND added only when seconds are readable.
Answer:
h=6 m=36 s=14
